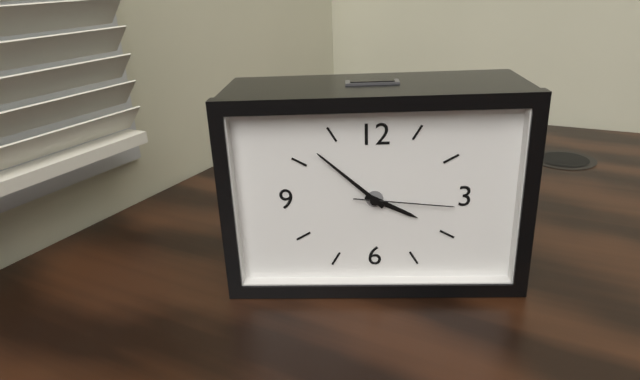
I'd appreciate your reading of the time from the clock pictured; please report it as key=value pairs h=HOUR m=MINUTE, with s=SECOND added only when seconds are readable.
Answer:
h=3 m=52 s=16
